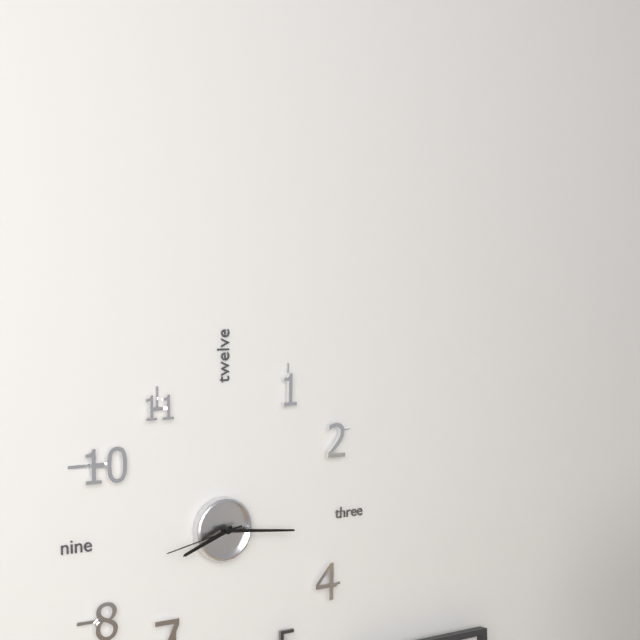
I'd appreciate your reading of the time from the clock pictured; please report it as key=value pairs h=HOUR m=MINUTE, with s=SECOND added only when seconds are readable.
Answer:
h=8 m=16 s=43
